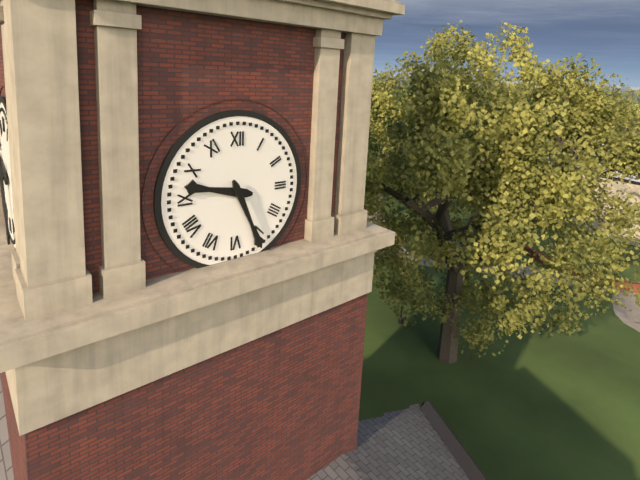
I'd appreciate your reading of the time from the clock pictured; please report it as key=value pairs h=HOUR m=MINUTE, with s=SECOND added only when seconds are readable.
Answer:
h=9 m=26
